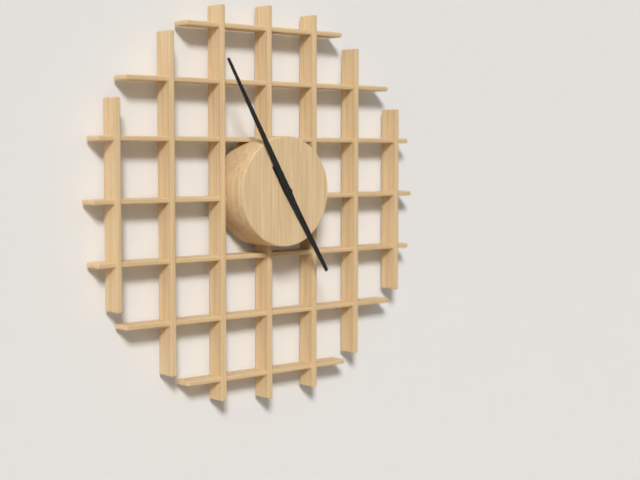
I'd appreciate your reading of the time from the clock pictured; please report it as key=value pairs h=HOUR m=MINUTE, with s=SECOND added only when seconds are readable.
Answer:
h=4 m=55
